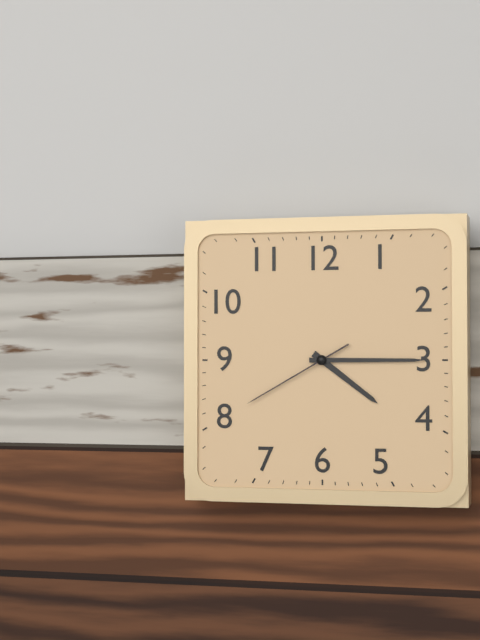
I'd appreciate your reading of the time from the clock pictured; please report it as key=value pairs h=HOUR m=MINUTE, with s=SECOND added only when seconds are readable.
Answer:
h=4 m=15 s=40
